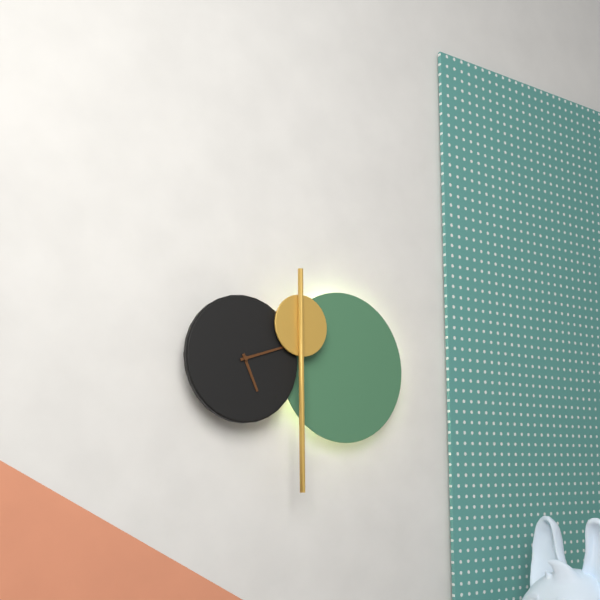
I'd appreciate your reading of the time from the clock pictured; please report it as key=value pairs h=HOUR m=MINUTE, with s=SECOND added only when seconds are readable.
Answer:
h=5 m=12
